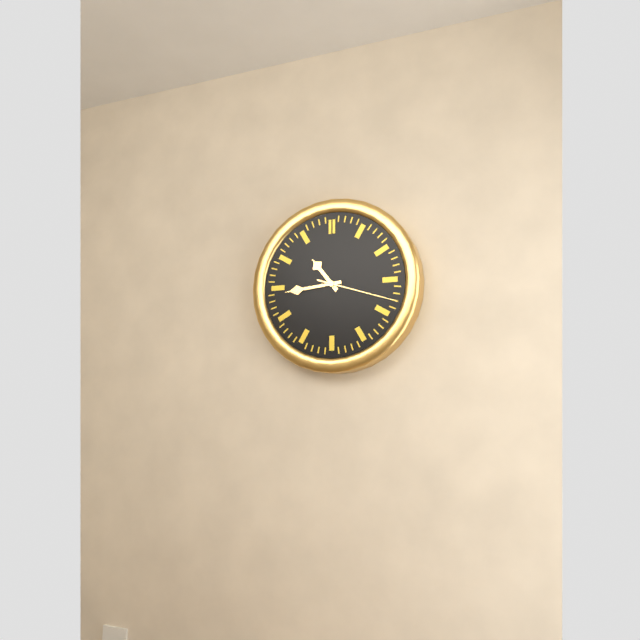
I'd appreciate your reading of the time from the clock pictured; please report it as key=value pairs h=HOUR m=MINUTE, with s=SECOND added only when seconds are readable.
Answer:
h=10 m=44 s=18
